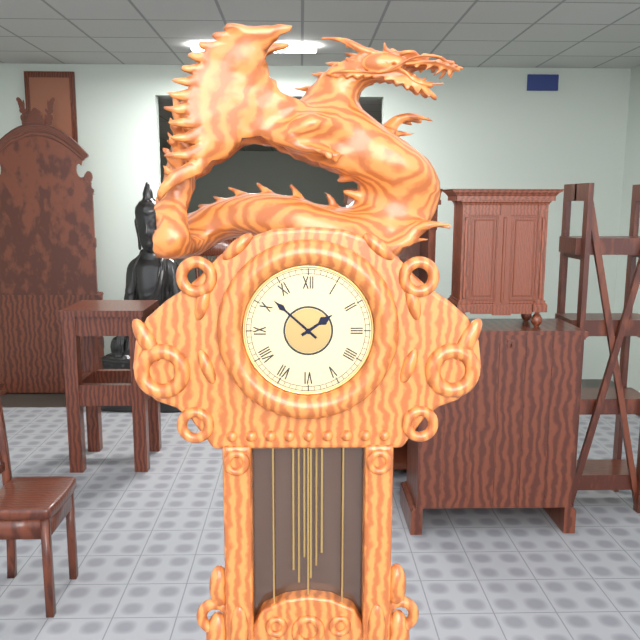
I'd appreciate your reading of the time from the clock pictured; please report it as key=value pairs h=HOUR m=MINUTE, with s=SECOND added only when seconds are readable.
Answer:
h=1 m=52
